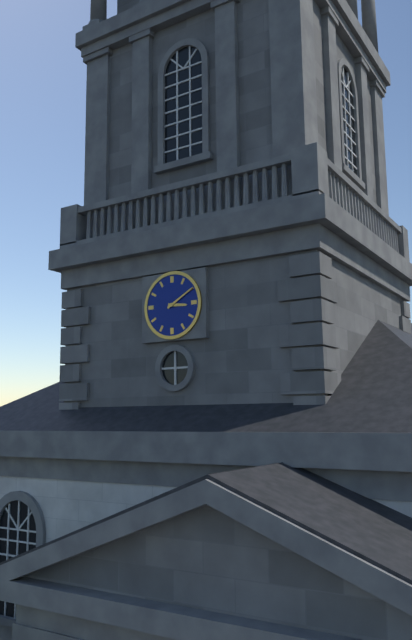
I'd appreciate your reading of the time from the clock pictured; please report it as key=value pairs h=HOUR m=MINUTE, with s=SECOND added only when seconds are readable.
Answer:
h=3 m=10
